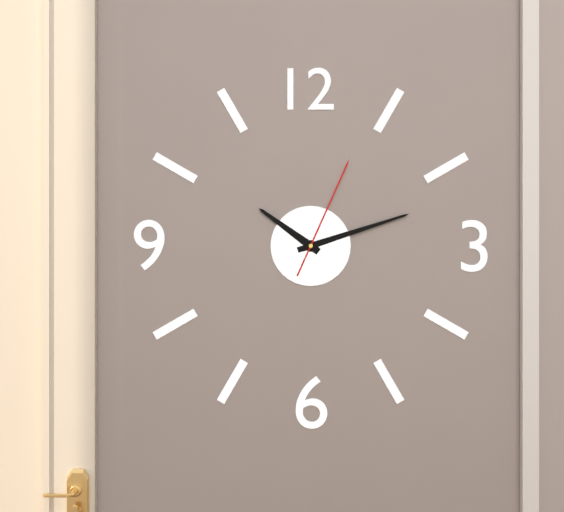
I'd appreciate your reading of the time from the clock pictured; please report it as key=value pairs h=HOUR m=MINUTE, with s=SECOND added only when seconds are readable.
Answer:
h=10 m=12 s=4
